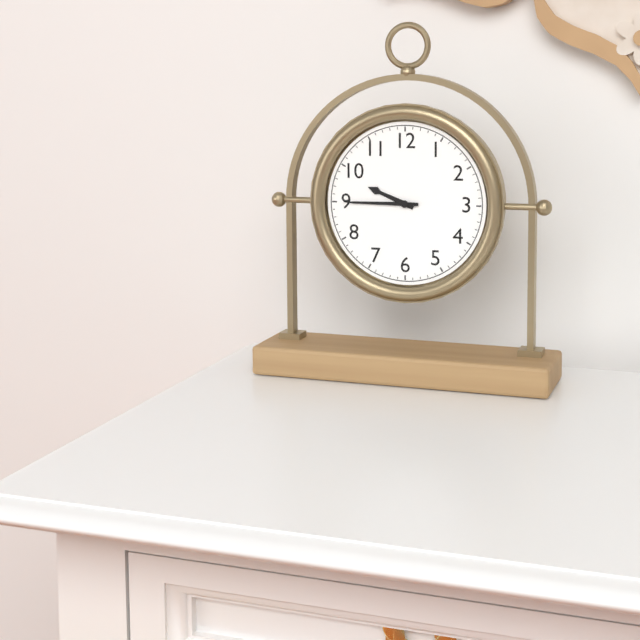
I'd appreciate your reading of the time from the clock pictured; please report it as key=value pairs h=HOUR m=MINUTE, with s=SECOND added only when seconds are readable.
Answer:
h=9 m=45
